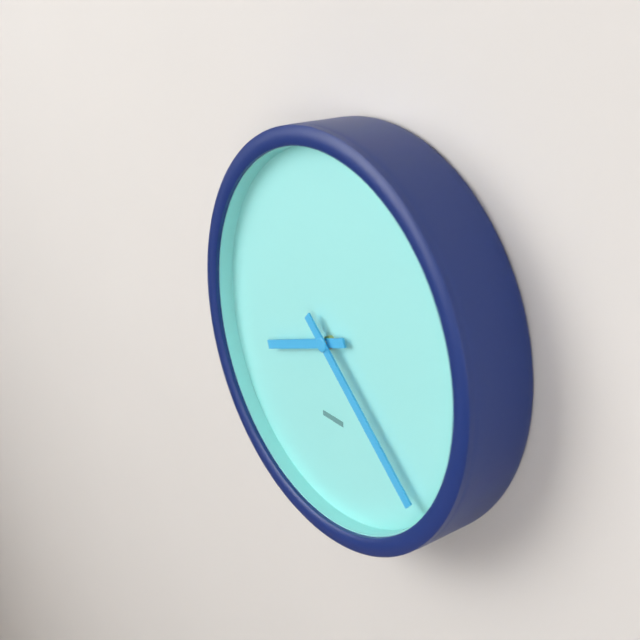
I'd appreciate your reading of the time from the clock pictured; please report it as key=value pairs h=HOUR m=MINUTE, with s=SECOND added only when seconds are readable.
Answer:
h=8 m=22
